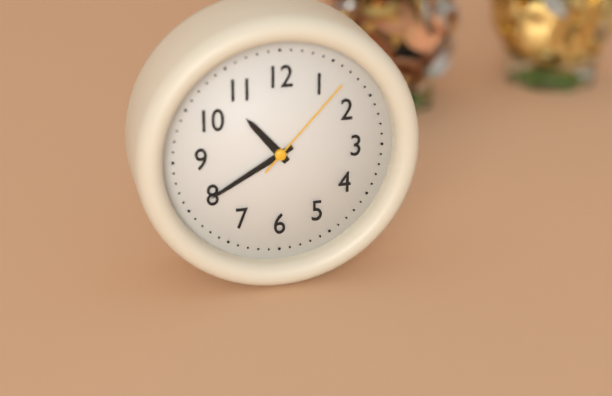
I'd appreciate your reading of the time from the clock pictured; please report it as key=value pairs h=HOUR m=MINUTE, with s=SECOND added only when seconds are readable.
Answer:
h=10 m=40 s=7
